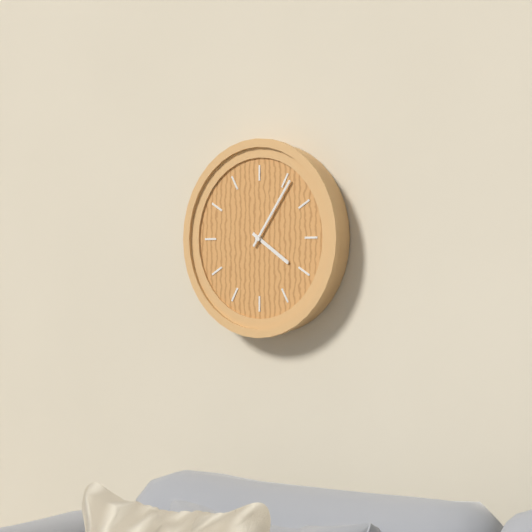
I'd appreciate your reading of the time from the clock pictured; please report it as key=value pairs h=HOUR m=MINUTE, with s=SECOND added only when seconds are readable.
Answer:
h=4 m=6
